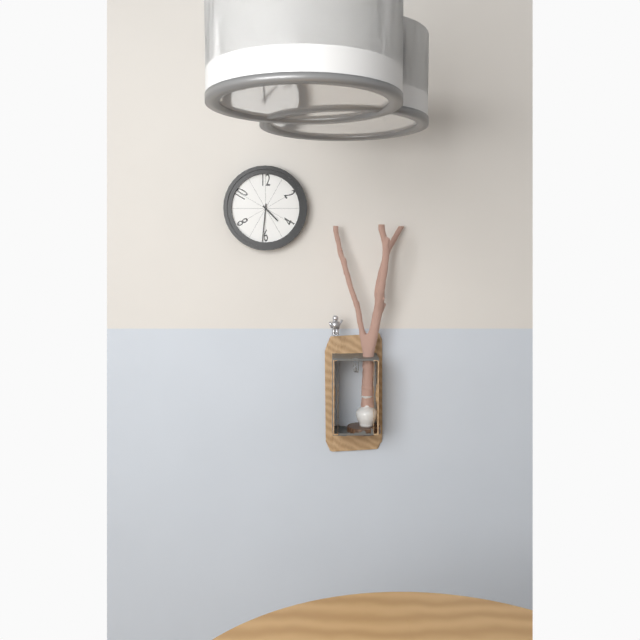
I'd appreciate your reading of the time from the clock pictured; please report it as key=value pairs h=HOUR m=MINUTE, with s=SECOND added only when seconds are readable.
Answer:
h=4 m=31
